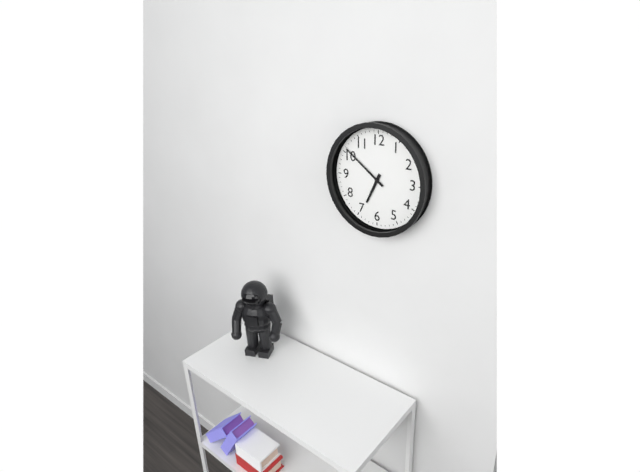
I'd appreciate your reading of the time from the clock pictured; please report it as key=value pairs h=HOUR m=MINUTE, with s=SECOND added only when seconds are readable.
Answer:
h=6 m=51
